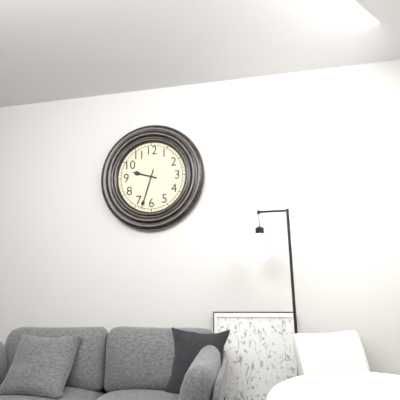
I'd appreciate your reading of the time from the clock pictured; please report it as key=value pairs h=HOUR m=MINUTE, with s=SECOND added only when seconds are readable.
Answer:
h=9 m=33
